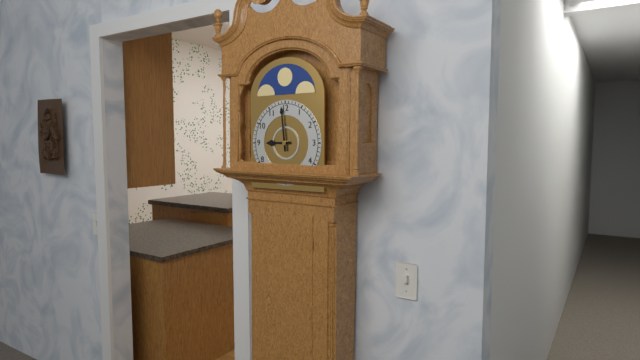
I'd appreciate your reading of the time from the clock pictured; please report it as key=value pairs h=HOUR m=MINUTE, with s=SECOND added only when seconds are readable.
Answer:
h=8 m=59
